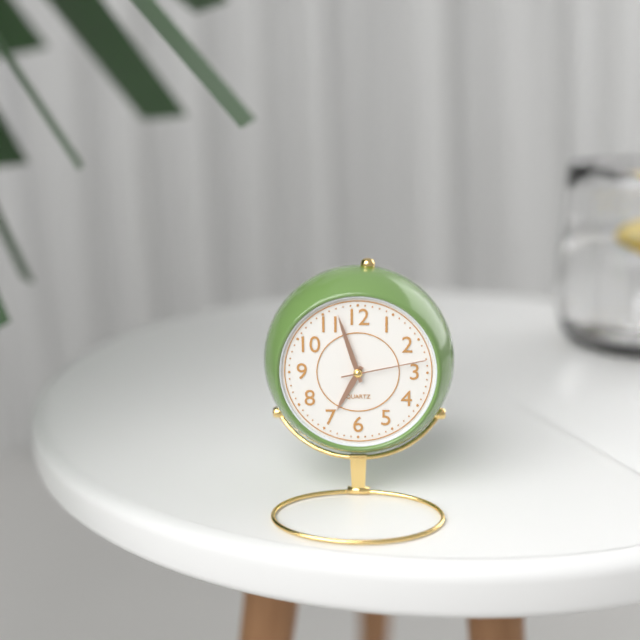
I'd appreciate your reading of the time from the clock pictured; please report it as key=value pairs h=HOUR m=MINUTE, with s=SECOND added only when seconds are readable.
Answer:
h=6 m=57 s=13
